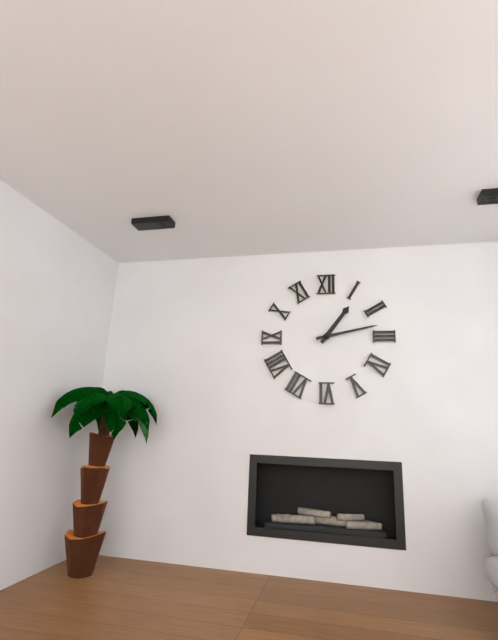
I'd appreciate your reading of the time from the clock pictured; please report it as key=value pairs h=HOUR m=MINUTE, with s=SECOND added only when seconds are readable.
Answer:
h=1 m=13
